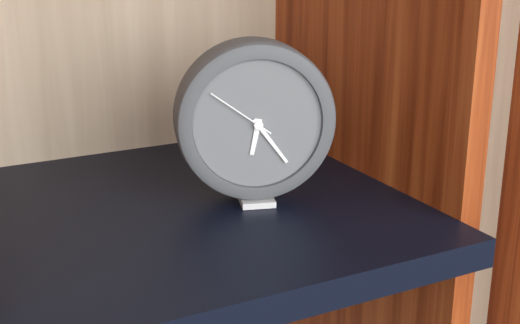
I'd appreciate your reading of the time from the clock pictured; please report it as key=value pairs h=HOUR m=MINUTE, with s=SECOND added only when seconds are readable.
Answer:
h=6 m=24 s=51
